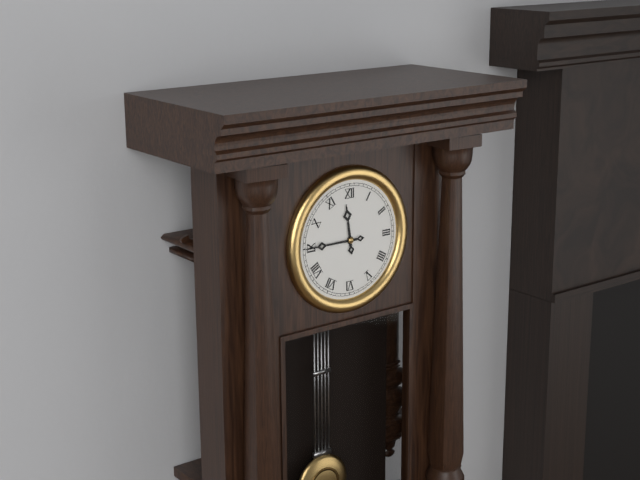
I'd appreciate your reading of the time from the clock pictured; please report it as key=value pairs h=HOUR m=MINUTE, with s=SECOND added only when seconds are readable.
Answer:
h=11 m=45
